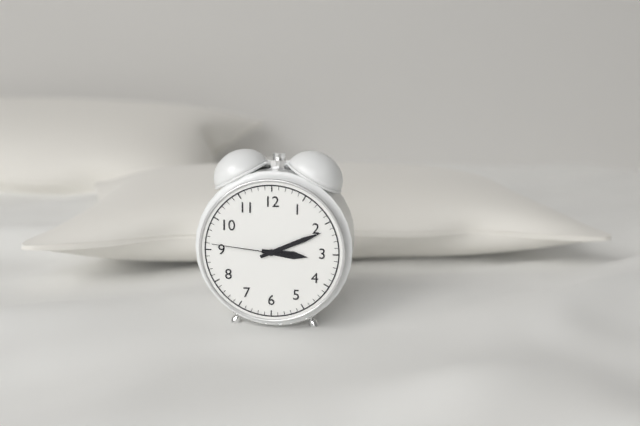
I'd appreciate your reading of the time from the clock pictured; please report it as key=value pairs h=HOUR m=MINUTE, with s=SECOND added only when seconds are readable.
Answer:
h=3 m=11 s=46
